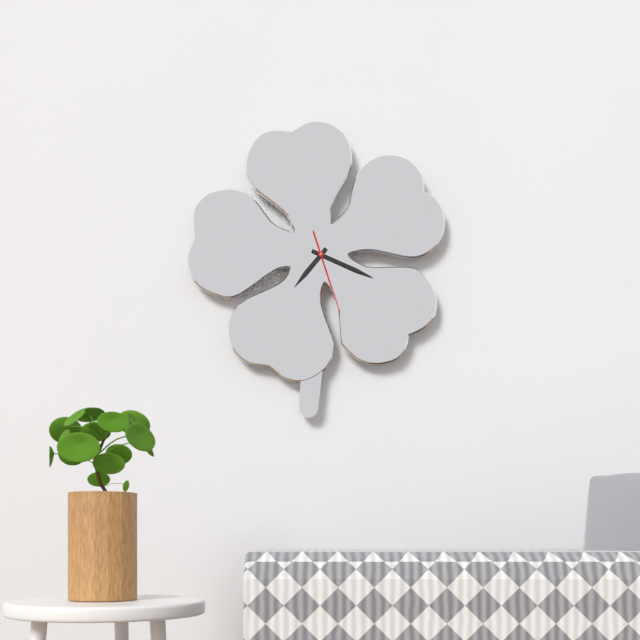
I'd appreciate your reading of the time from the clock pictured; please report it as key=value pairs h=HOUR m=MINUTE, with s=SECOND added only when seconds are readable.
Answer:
h=7 m=19 s=27
